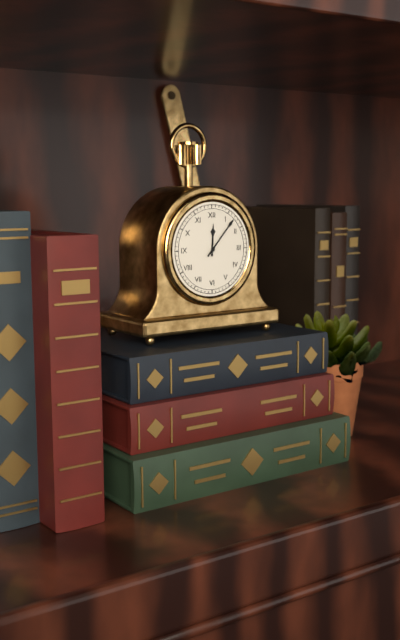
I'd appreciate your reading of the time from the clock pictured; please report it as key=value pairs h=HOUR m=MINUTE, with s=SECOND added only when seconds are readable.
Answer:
h=12 m=7
